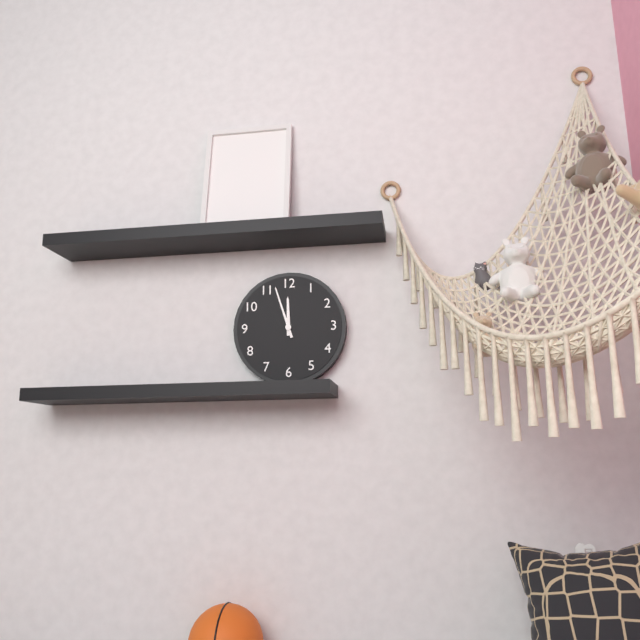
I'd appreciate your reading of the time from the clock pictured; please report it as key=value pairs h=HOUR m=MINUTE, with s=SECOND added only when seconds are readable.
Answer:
h=11 m=57
